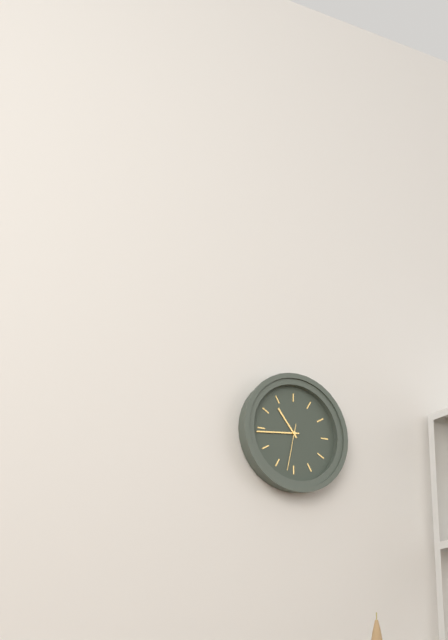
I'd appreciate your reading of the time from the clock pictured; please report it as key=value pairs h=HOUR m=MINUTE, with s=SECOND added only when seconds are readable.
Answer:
h=10 m=44
